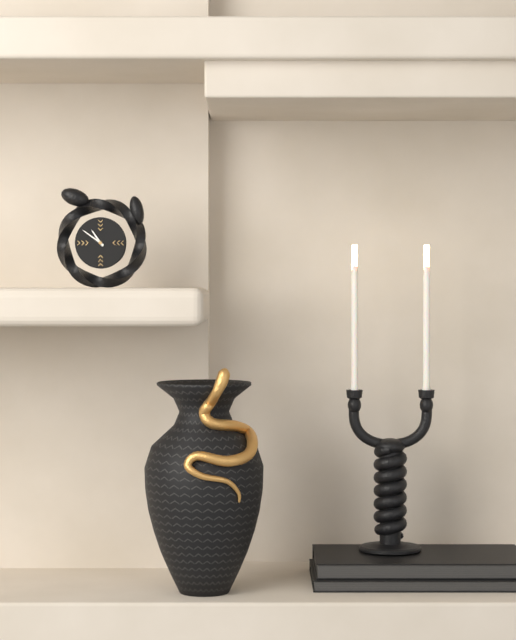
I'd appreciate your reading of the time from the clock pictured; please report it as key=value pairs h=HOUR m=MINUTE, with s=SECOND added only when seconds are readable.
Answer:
h=10 m=51
